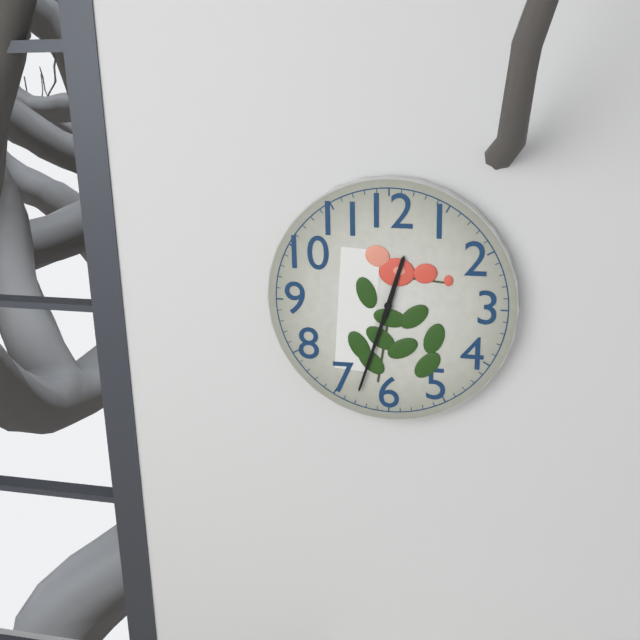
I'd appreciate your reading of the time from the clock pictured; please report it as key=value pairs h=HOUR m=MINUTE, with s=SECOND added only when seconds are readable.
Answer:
h=12 m=33
